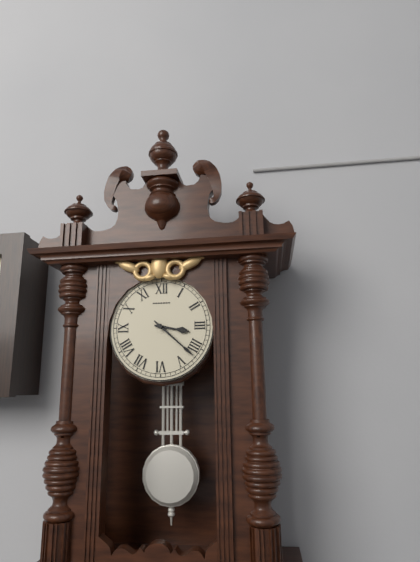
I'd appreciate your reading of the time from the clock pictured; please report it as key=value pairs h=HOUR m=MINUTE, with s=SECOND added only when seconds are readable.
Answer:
h=3 m=22
